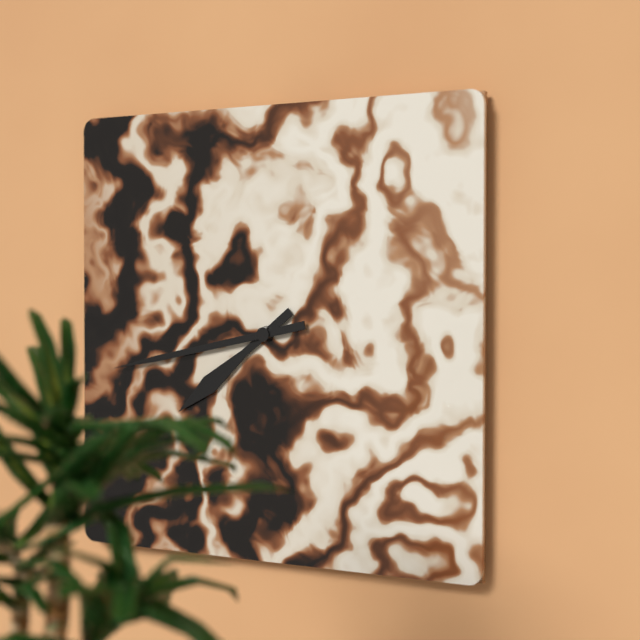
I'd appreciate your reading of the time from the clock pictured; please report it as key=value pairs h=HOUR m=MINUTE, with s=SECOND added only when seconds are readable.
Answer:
h=7 m=43
